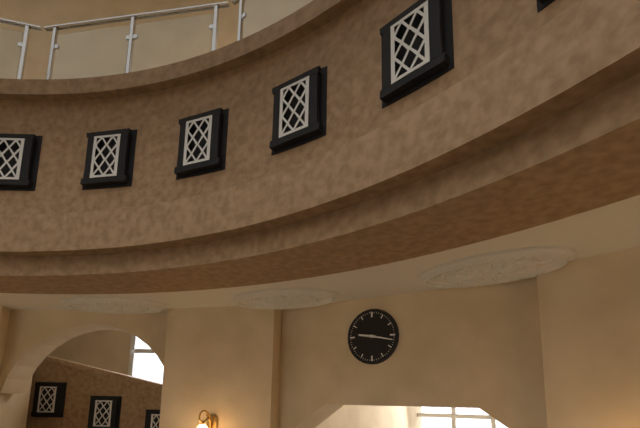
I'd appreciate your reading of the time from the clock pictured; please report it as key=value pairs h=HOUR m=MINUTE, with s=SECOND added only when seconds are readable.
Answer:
h=9 m=17
